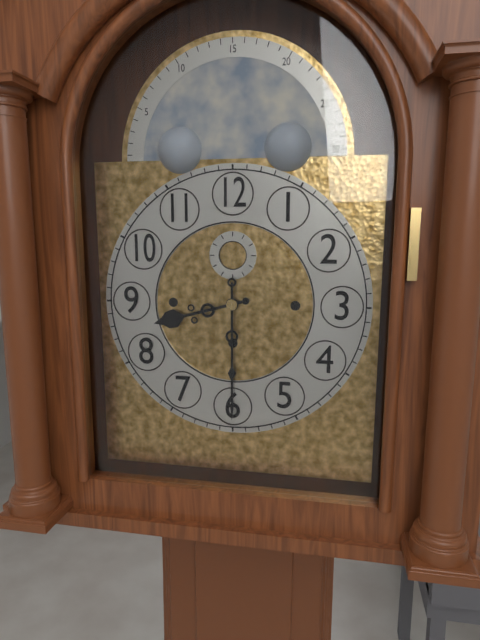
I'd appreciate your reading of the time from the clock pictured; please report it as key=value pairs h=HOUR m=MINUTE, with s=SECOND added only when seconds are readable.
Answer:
h=8 m=30
